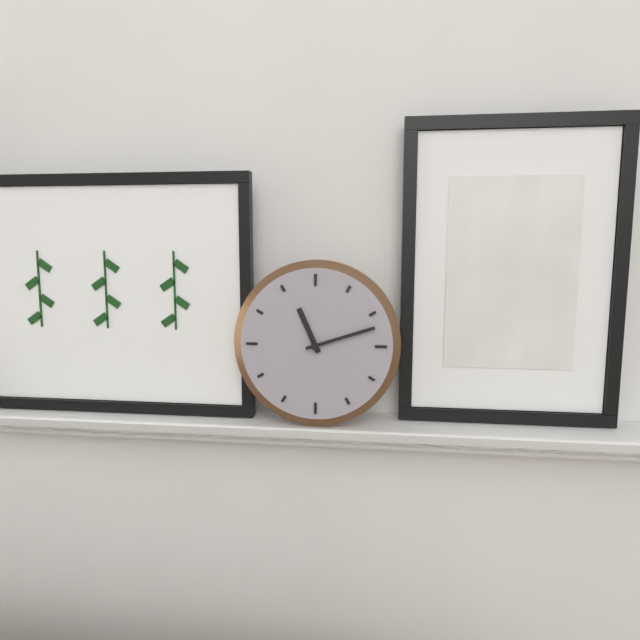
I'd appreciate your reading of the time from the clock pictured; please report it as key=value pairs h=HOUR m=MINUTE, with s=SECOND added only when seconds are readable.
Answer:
h=11 m=12
